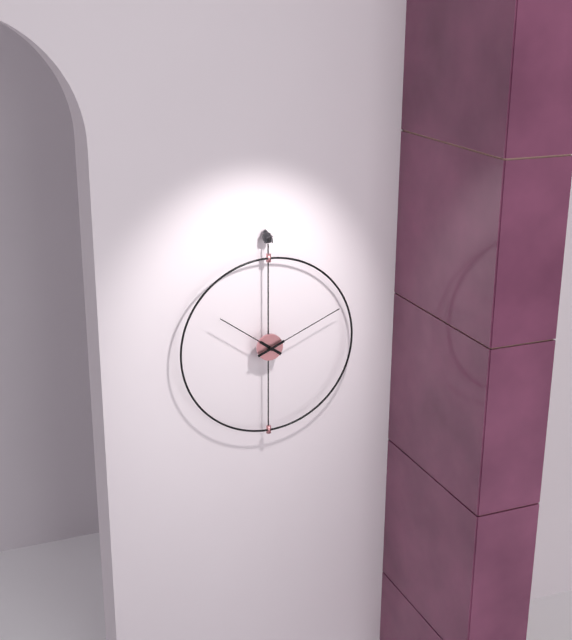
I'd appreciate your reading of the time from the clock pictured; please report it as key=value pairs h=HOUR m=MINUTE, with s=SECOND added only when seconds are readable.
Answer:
h=10 m=11
